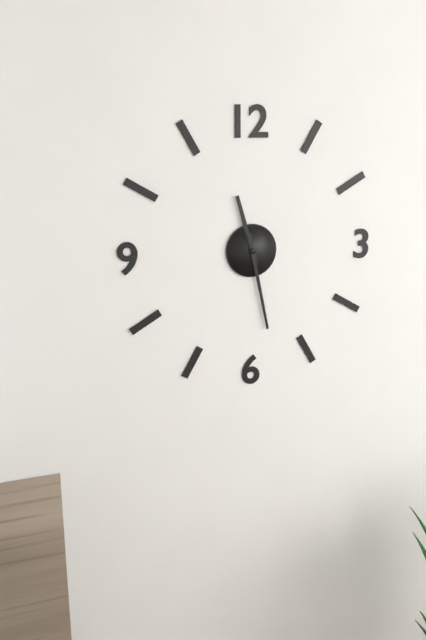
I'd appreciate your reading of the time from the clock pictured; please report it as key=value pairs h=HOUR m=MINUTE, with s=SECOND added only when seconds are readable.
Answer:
h=11 m=28
